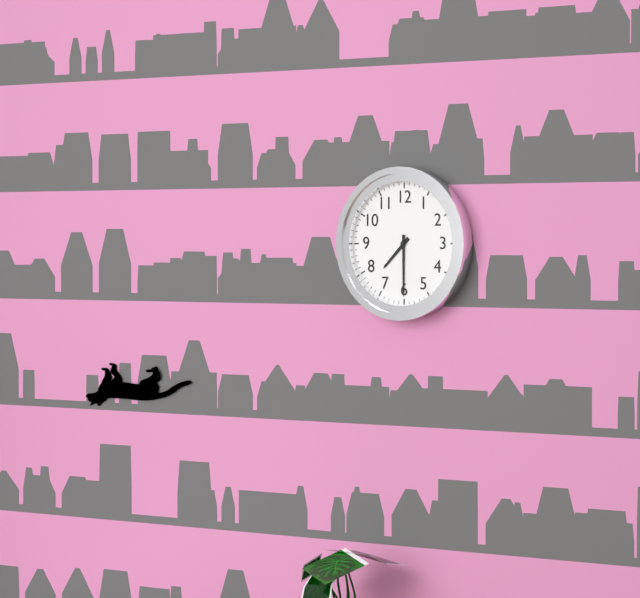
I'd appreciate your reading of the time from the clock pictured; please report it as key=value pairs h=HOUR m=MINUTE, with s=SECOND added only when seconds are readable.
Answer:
h=7 m=30
